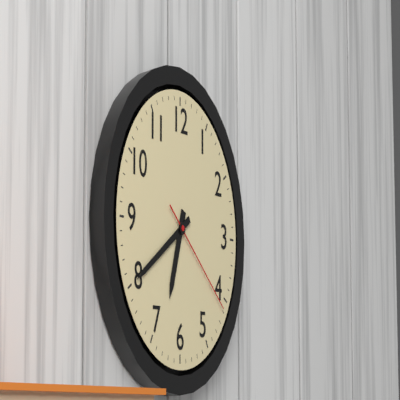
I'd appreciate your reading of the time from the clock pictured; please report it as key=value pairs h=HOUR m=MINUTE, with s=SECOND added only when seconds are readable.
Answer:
h=6 m=40 s=21
